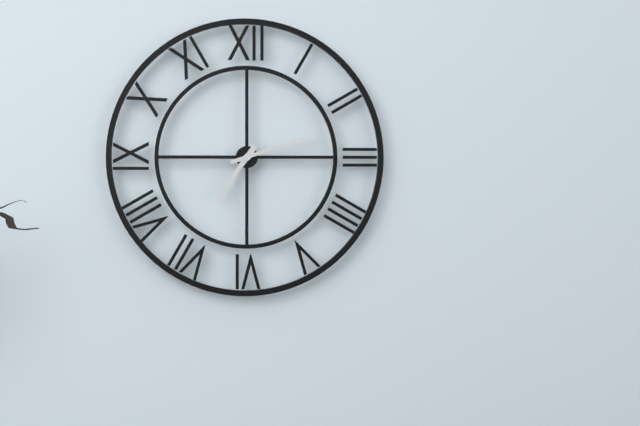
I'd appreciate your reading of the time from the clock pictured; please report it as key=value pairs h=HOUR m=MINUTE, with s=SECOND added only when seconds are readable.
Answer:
h=7 m=12
